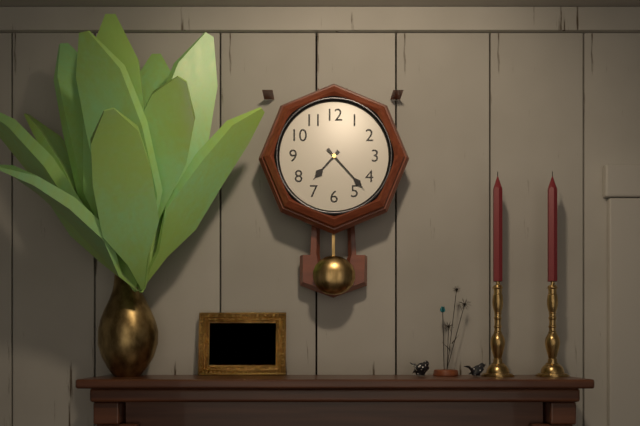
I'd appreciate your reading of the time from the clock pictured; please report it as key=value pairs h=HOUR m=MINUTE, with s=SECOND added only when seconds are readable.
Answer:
h=7 m=23
